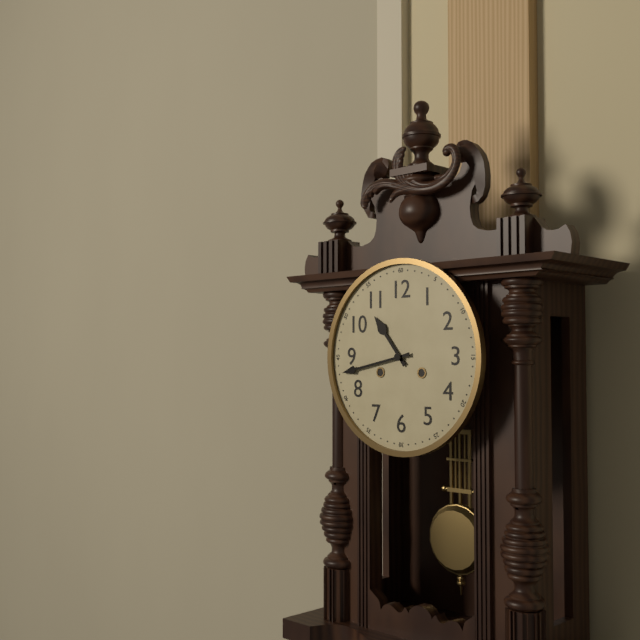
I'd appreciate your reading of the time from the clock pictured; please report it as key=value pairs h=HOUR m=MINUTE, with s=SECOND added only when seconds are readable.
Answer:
h=10 m=43
